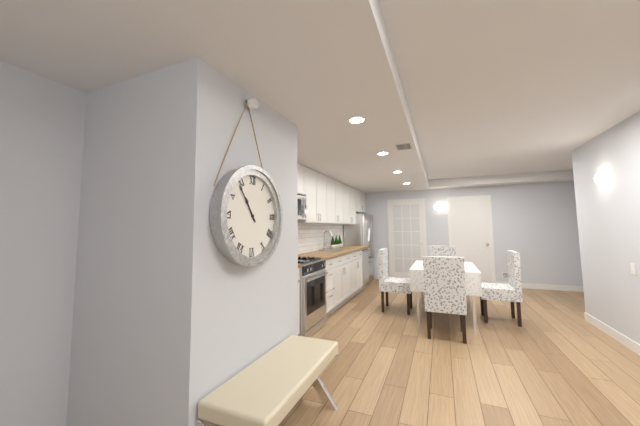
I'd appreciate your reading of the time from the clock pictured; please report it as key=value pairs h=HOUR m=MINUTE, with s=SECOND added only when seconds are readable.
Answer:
h=10 m=54
